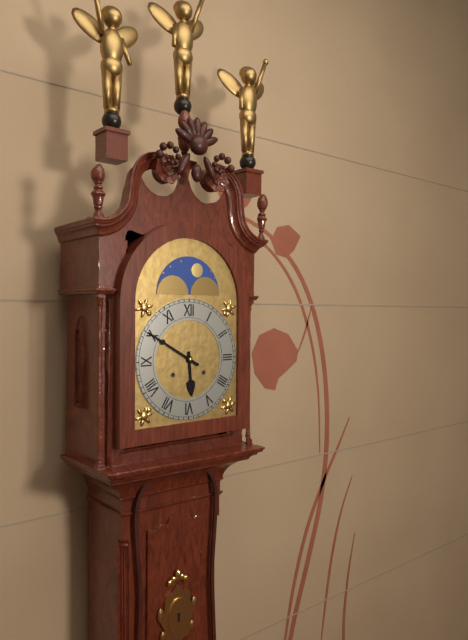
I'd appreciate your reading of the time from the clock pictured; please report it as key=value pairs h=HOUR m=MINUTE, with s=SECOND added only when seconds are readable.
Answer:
h=5 m=50
